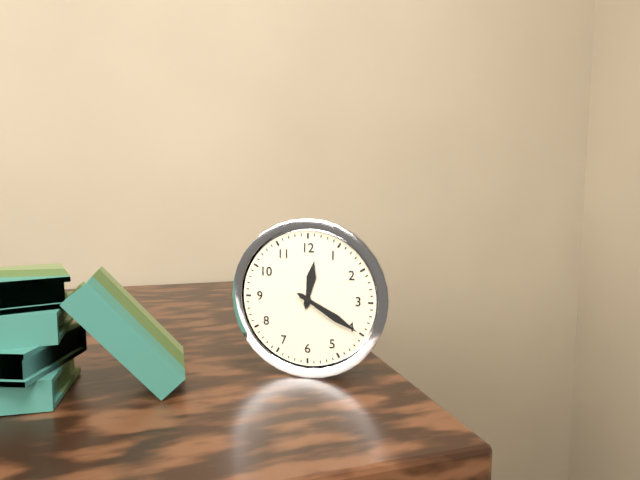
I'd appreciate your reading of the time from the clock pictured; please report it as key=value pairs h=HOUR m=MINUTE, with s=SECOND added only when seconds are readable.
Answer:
h=12 m=20
